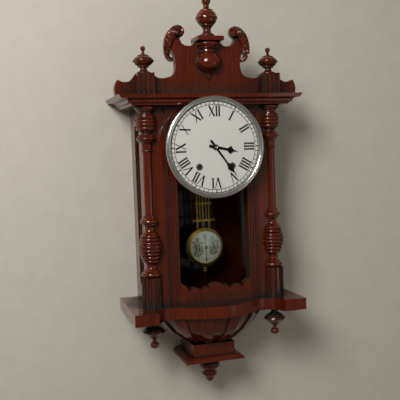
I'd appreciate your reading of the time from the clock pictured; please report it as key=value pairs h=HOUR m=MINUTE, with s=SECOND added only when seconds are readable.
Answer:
h=3 m=24
